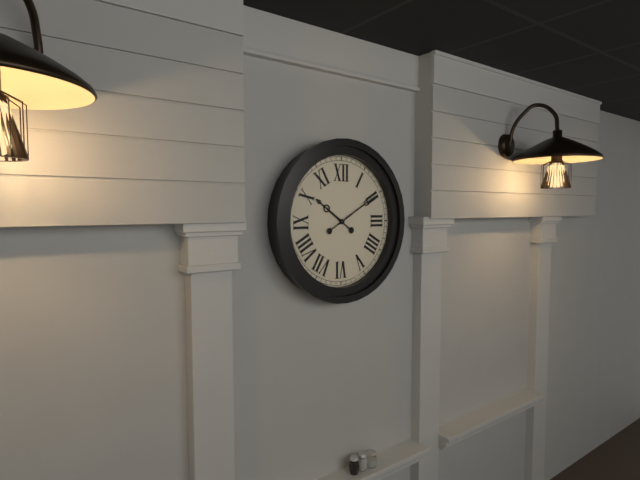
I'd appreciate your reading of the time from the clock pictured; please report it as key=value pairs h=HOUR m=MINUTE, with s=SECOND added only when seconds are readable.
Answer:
h=10 m=10
